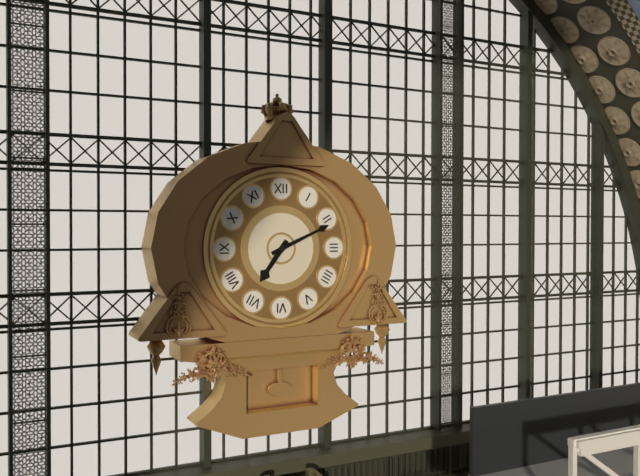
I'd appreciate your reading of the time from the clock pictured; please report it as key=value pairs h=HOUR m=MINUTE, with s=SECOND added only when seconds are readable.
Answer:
h=7 m=11
